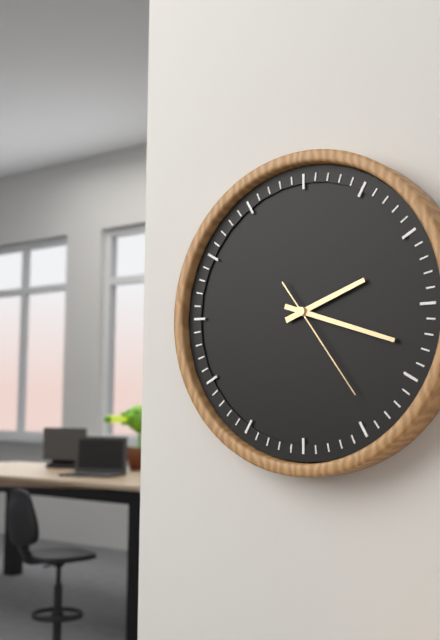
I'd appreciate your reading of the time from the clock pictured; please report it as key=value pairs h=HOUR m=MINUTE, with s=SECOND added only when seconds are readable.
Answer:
h=2 m=18 s=24
